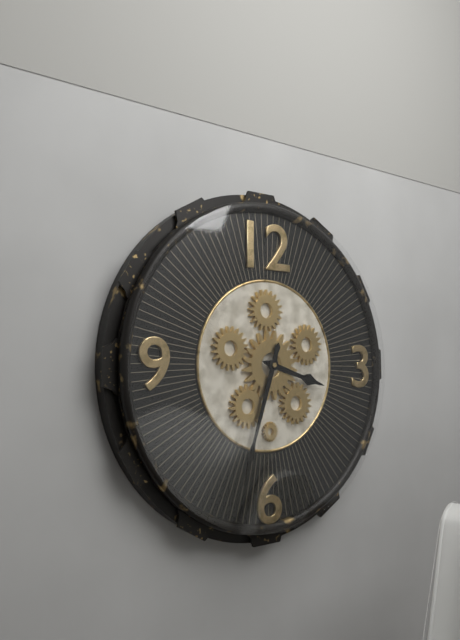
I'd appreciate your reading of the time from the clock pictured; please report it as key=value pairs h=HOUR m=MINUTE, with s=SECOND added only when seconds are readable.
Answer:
h=3 m=33
